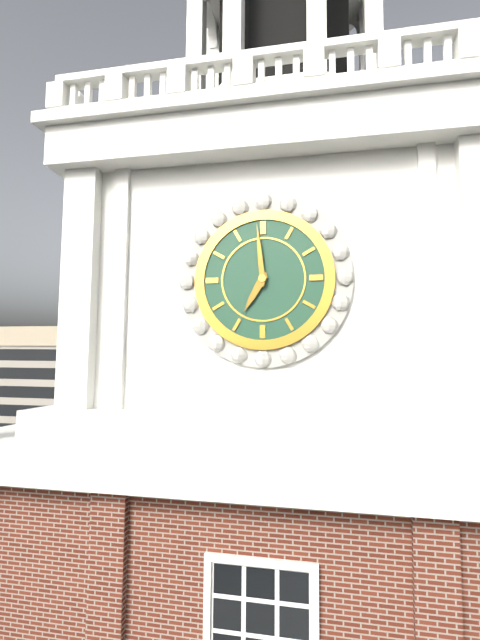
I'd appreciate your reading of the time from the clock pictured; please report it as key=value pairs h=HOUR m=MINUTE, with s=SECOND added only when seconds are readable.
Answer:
h=6 m=59
